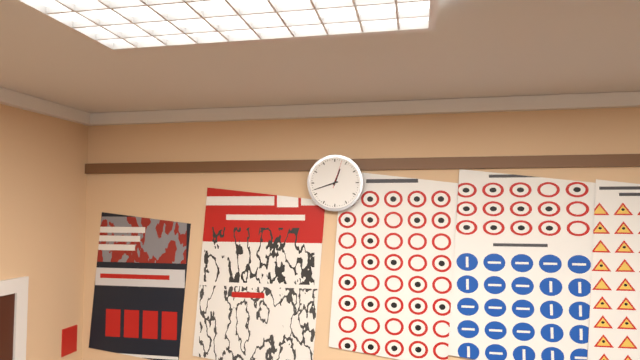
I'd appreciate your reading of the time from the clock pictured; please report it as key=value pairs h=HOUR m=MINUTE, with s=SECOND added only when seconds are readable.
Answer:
h=12 m=42
